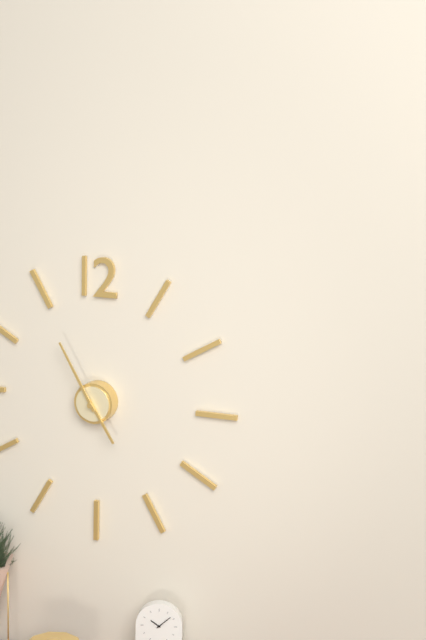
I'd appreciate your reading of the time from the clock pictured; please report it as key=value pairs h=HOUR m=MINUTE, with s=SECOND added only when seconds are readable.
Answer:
h=4 m=55
